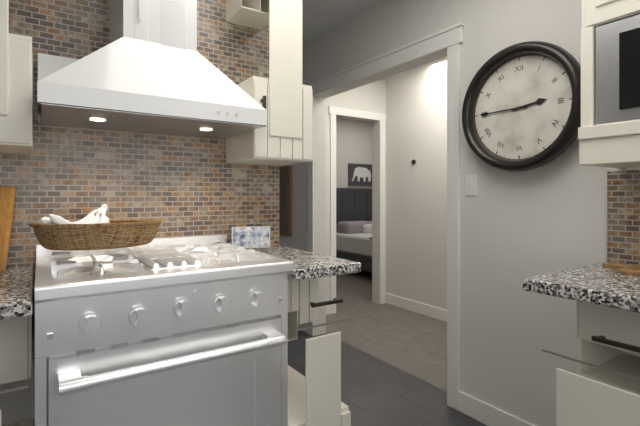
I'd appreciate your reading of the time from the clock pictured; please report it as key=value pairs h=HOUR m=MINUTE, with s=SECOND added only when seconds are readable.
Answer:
h=2 m=45
